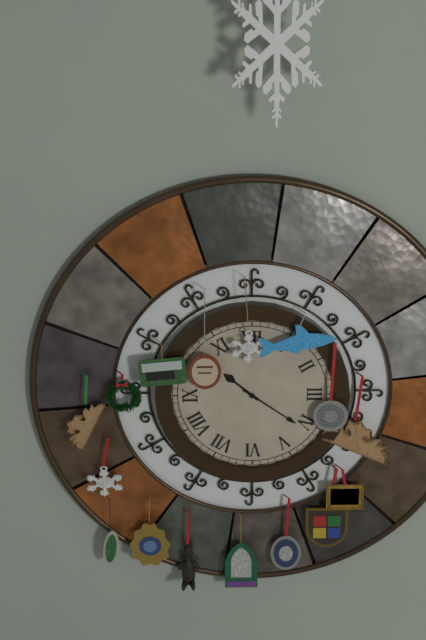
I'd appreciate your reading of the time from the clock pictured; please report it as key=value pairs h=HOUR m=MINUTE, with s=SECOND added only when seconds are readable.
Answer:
h=10 m=21
